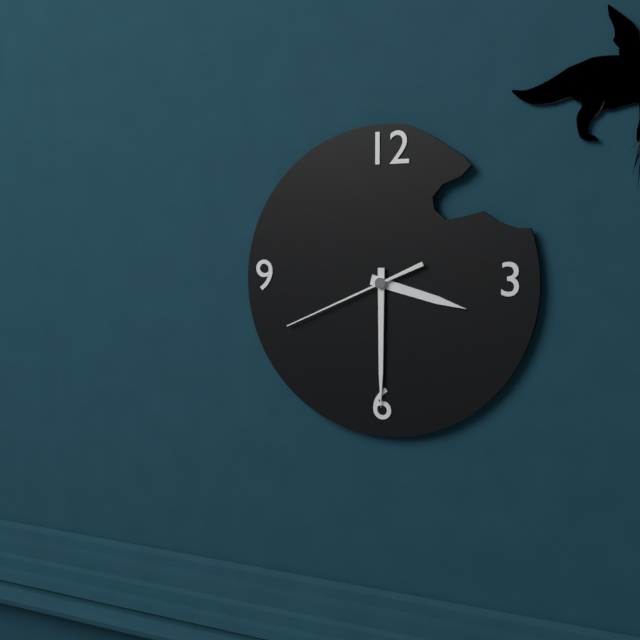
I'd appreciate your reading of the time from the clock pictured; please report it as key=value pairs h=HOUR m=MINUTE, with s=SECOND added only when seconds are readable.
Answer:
h=3 m=30 s=41
